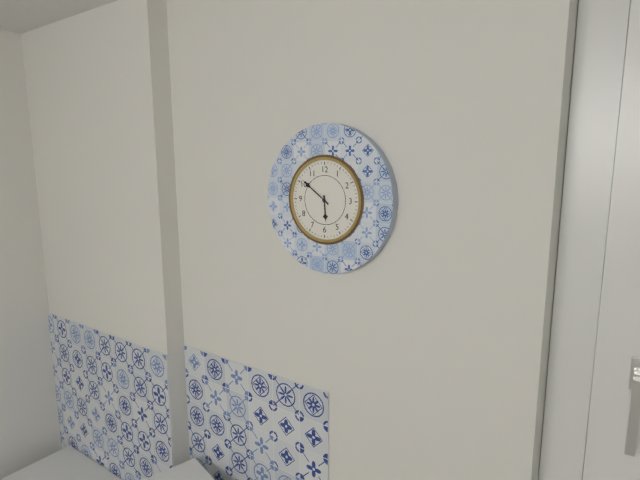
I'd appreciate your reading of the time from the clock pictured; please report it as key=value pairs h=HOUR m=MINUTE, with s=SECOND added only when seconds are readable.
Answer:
h=5 m=51
